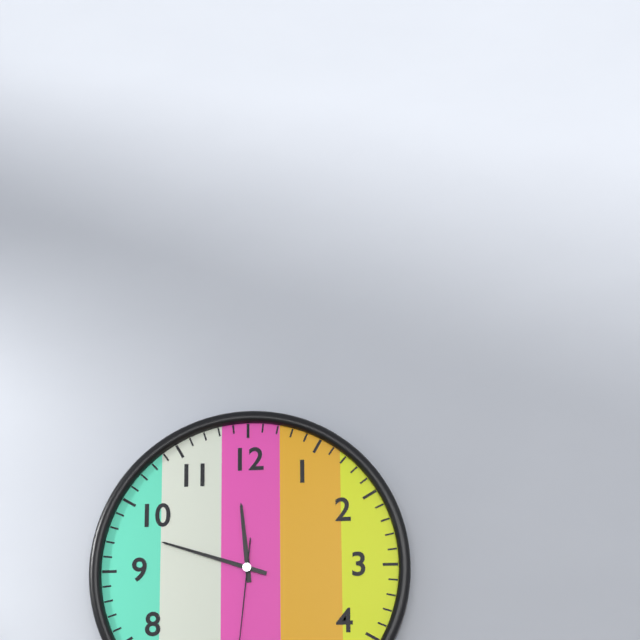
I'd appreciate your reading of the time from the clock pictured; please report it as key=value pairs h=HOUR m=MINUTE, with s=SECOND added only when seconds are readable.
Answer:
h=11 m=48
